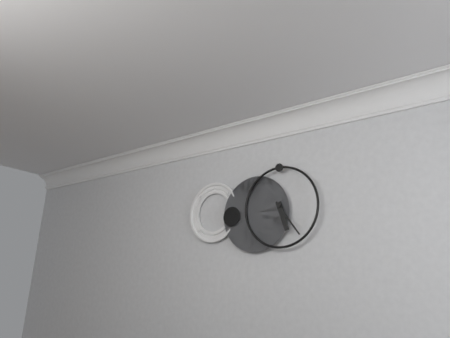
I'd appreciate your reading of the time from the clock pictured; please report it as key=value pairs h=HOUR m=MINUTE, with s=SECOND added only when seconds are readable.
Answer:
h=5 m=24
